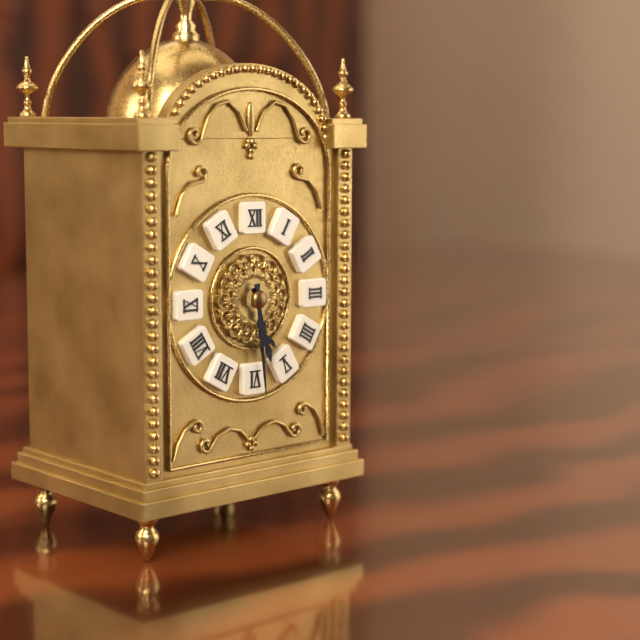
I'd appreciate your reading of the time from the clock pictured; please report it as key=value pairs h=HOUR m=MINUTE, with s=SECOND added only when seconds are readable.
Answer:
h=5 m=29
